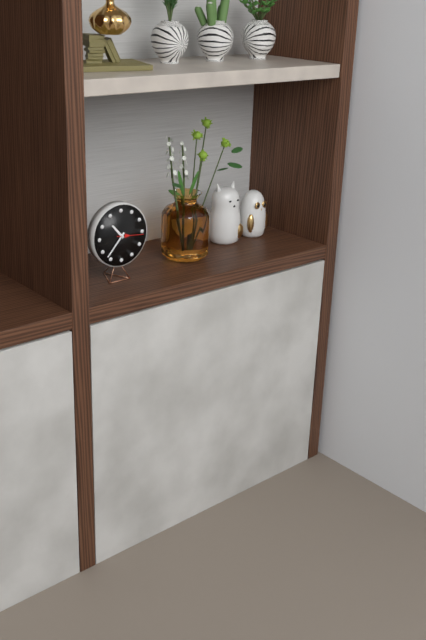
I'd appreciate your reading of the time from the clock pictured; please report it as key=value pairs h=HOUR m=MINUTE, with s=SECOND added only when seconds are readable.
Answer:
h=10 m=37
